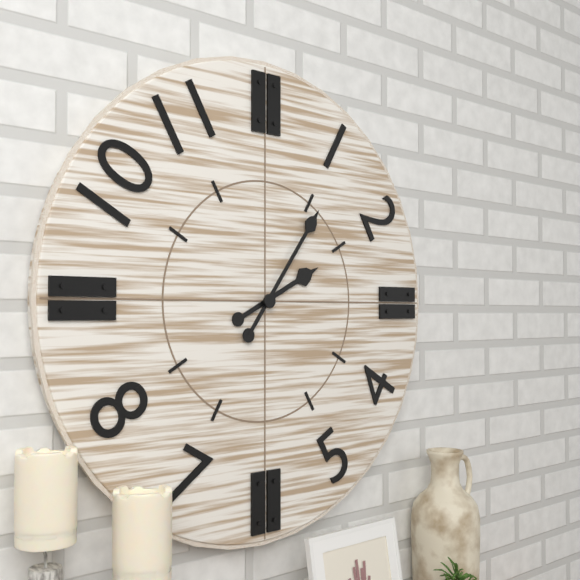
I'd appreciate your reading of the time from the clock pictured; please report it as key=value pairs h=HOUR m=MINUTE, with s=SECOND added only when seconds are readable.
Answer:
h=2 m=6
